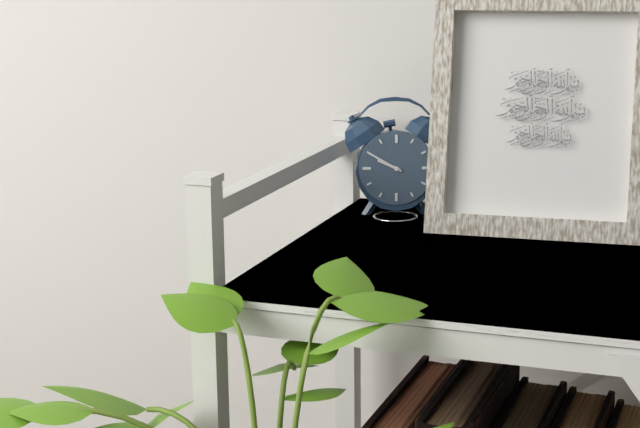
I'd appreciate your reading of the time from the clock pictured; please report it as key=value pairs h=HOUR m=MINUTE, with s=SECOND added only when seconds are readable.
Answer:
h=9 m=50
